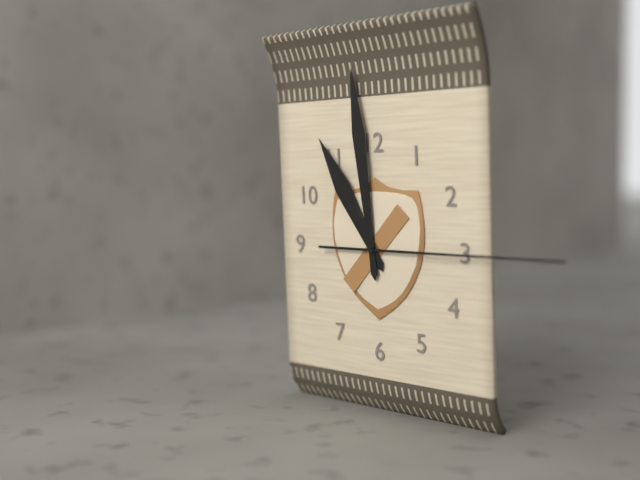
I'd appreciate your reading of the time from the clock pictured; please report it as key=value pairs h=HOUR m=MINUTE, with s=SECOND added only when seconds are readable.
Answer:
h=10 m=59 s=15
